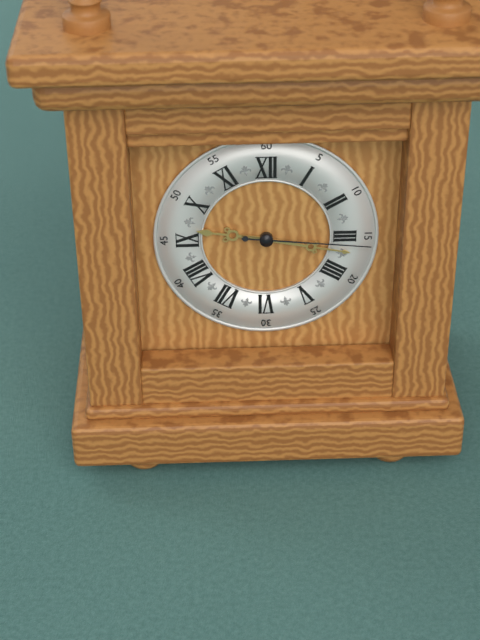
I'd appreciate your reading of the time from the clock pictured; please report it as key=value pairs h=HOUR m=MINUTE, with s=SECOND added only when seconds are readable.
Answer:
h=9 m=17 s=16
